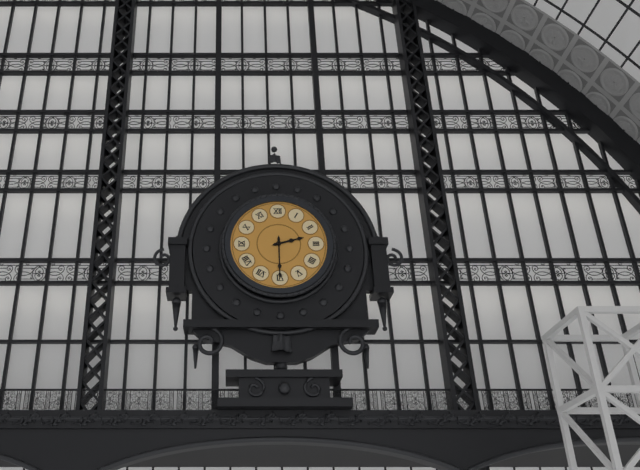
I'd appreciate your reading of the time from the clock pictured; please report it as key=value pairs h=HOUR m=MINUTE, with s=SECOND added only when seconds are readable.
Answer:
h=2 m=30
